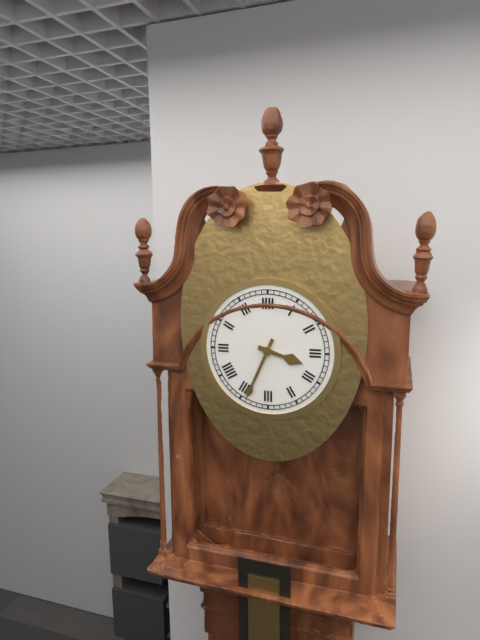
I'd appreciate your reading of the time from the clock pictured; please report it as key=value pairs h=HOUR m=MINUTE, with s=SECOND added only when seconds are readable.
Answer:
h=3 m=34
